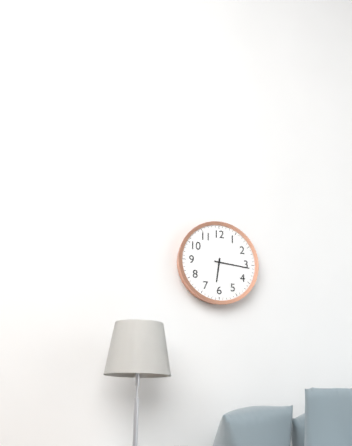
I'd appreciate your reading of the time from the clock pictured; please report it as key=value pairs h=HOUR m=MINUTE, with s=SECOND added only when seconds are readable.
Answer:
h=6 m=16
